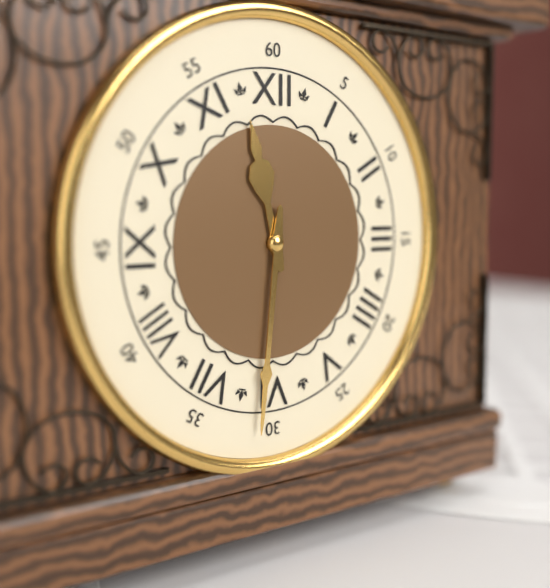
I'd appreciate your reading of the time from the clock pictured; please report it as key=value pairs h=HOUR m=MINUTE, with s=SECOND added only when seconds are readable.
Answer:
h=11 m=31
